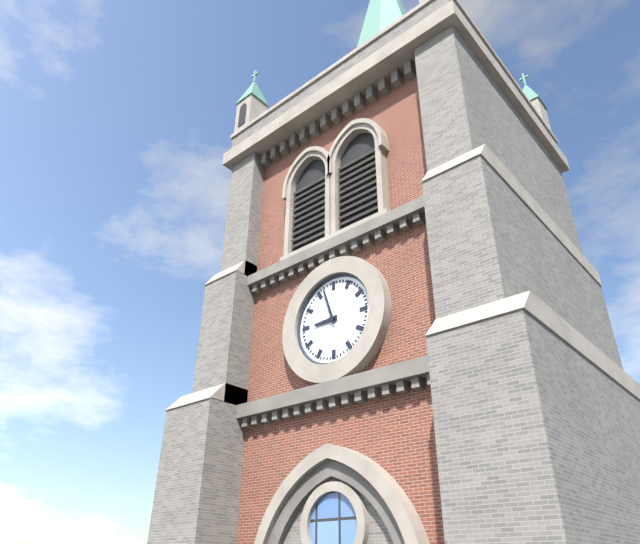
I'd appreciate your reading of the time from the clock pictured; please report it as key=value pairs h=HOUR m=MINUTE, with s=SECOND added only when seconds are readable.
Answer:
h=8 m=57
